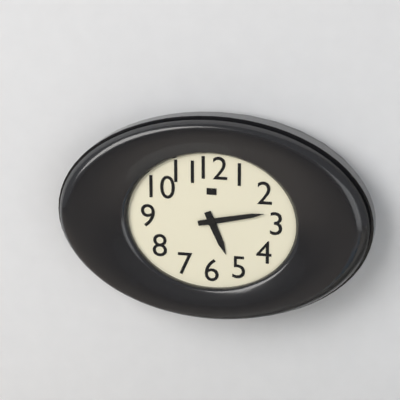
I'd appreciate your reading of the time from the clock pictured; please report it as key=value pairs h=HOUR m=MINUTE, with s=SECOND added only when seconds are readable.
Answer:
h=5 m=13
